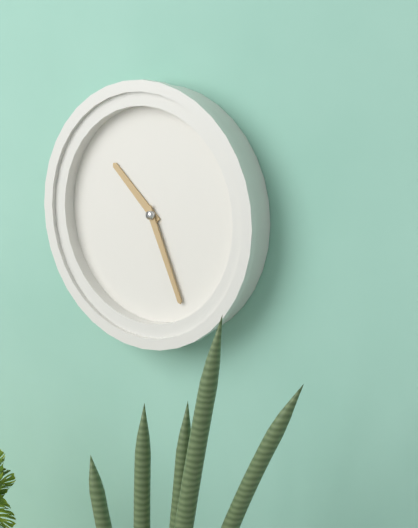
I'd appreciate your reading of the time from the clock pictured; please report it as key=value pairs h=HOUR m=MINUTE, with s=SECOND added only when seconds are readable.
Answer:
h=10 m=26
